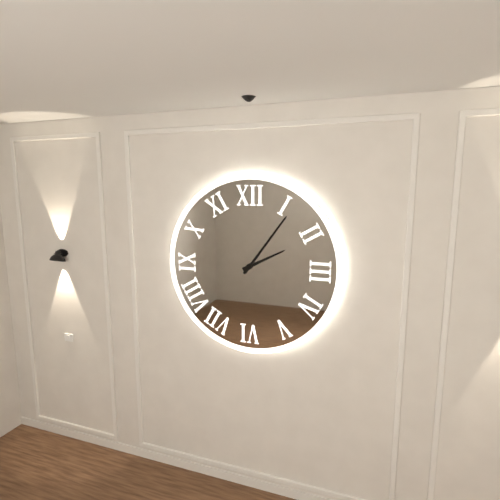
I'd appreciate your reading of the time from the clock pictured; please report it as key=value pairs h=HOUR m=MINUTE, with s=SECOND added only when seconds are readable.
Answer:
h=2 m=6
